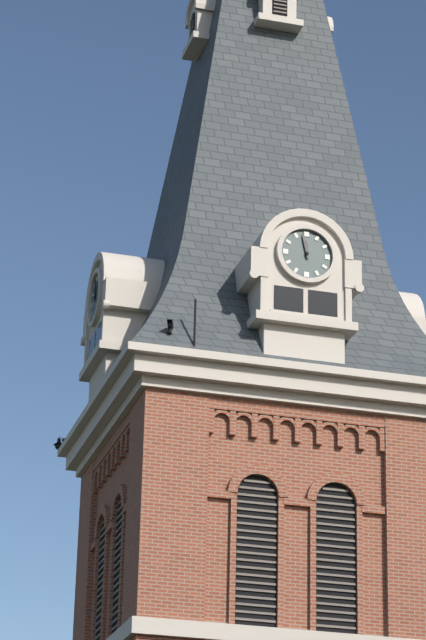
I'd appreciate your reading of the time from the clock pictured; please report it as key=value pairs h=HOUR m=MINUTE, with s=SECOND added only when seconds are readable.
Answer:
h=11 m=58
